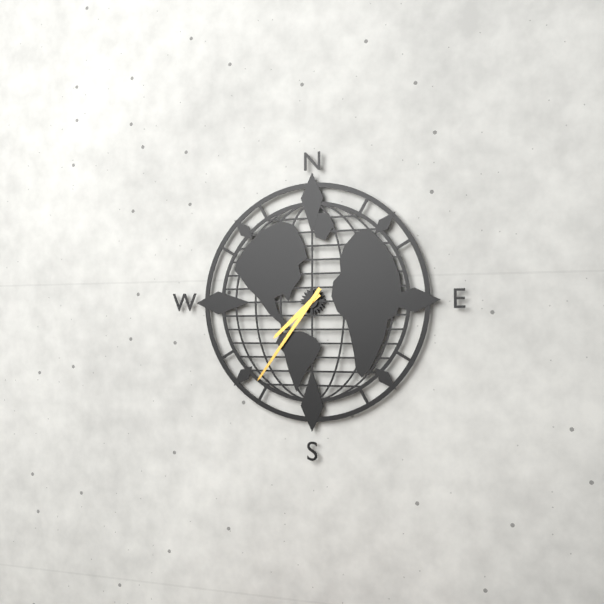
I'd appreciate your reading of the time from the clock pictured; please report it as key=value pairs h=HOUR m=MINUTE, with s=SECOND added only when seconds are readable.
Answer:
h=7 m=36
